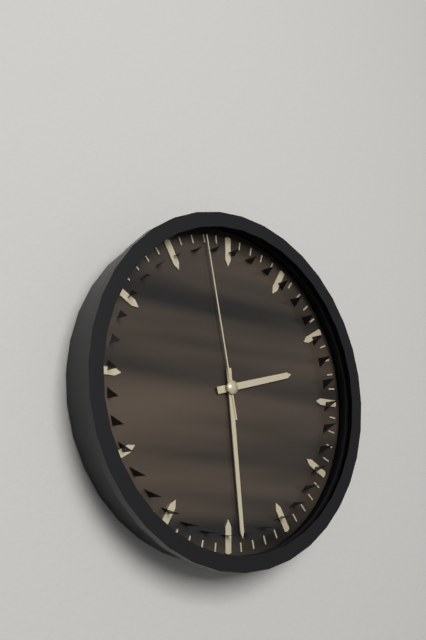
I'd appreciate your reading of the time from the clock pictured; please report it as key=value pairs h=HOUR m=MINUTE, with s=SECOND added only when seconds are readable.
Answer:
h=2 m=29 s=58
